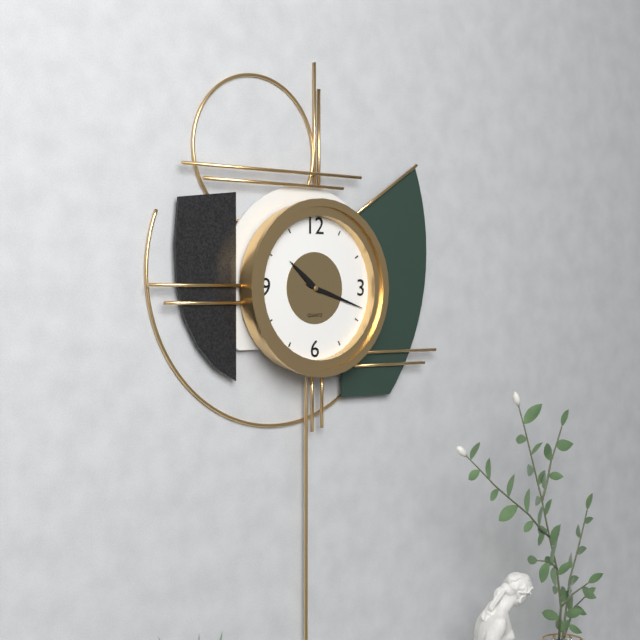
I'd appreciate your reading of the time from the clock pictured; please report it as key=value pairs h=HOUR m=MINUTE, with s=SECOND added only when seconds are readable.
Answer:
h=10 m=18
